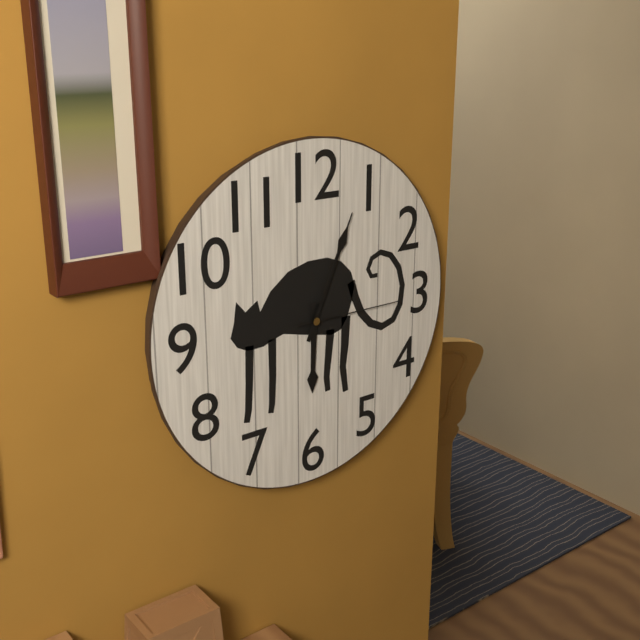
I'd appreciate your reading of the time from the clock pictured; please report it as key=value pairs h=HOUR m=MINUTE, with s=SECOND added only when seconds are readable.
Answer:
h=6 m=4 s=15
